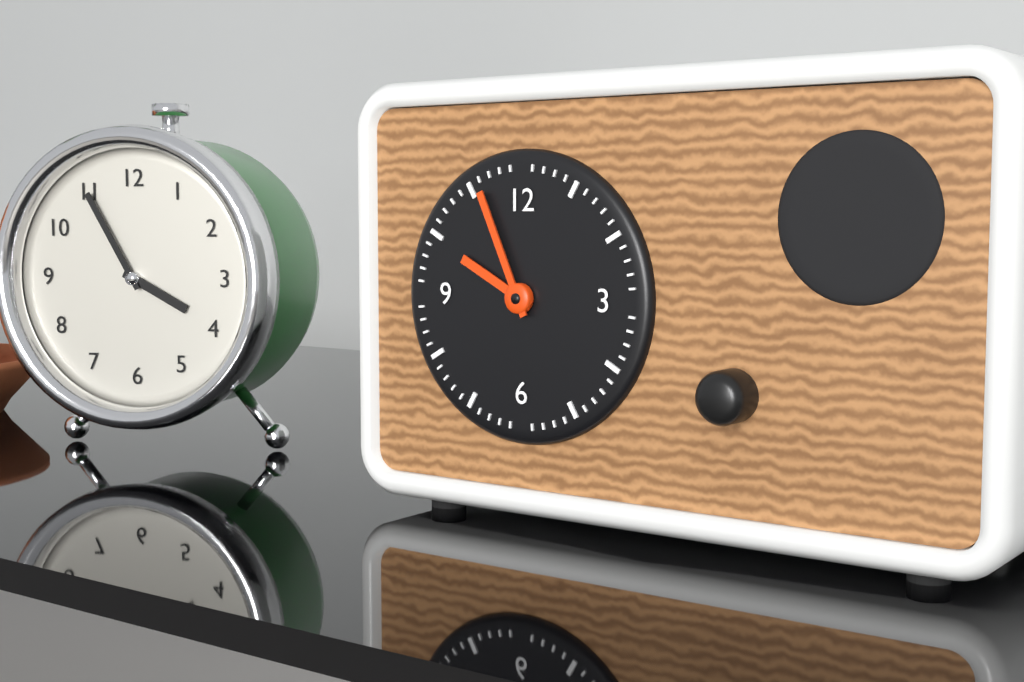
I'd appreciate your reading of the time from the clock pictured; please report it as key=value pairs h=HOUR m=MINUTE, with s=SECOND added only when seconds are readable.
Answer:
h=9 m=56
